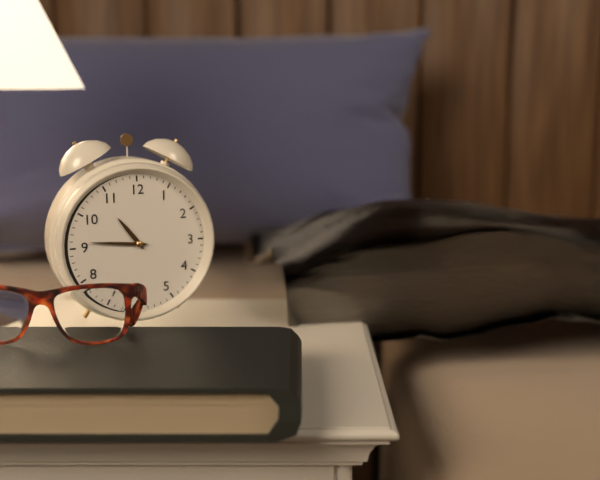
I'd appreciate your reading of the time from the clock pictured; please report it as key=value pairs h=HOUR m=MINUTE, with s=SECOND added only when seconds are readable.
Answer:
h=10 m=46
